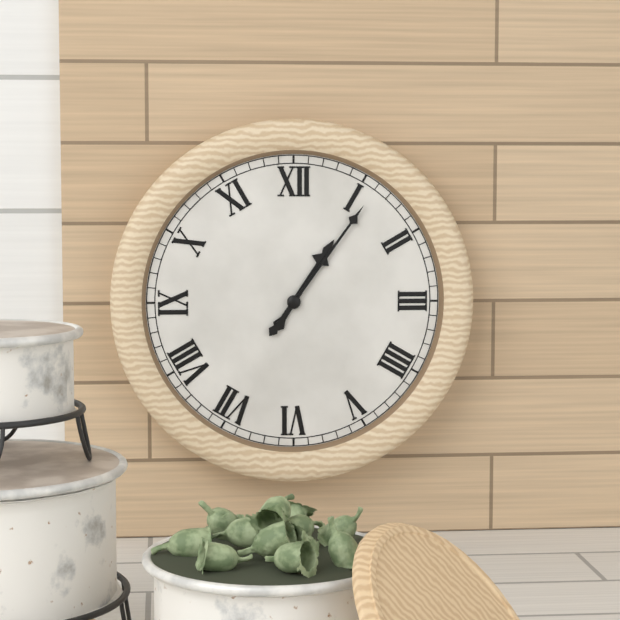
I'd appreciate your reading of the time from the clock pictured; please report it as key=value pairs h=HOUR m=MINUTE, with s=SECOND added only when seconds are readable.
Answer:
h=1 m=6
